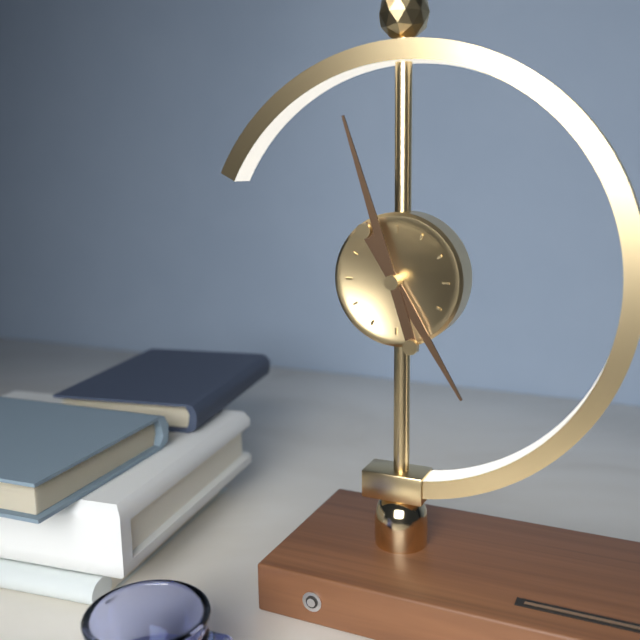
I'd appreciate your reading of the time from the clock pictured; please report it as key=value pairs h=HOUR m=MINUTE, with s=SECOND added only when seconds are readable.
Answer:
h=4 m=57
